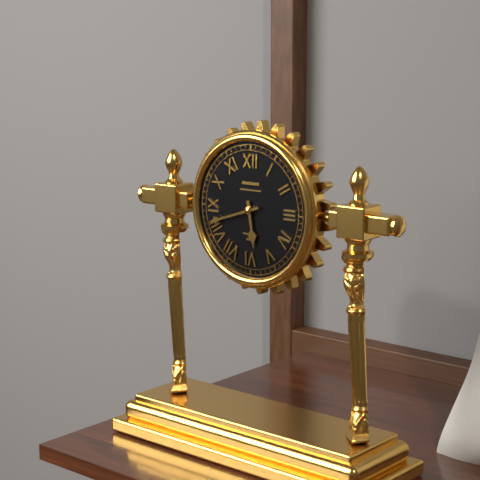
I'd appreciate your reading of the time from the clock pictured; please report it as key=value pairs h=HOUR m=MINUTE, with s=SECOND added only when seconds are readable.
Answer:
h=5 m=42
